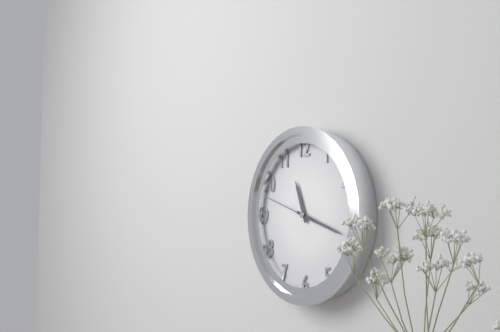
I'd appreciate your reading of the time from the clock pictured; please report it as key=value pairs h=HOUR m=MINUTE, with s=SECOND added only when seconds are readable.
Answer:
h=11 m=18
